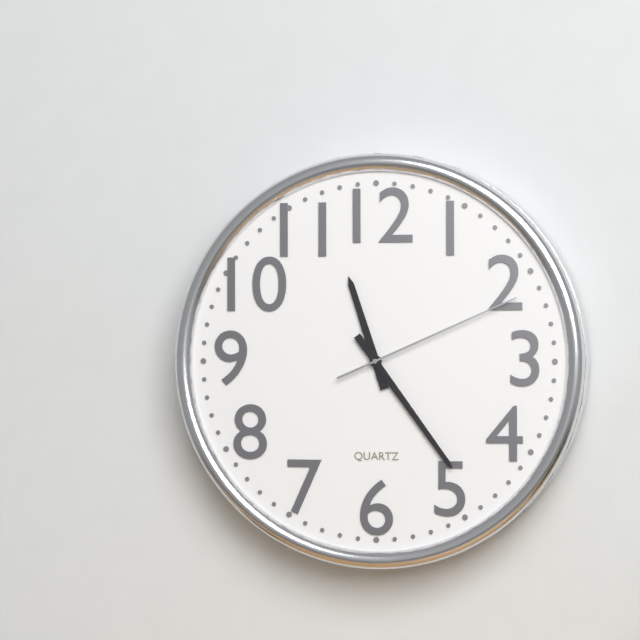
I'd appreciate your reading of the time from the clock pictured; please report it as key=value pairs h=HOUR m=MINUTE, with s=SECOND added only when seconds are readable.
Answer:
h=11 m=24 s=11
